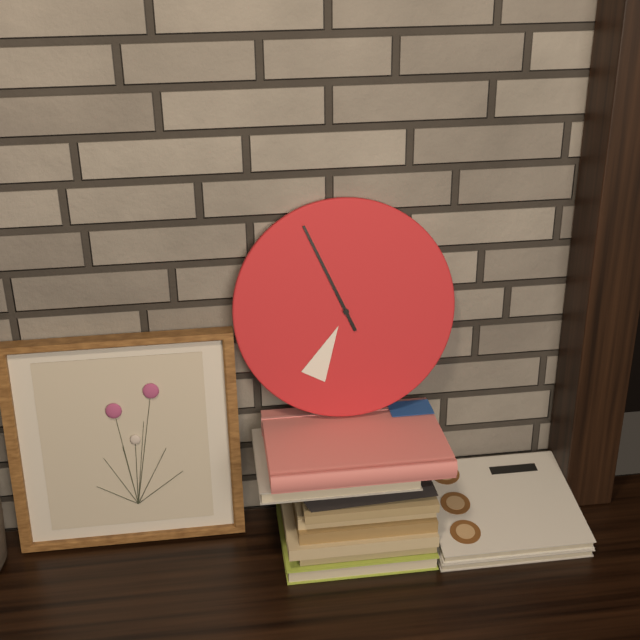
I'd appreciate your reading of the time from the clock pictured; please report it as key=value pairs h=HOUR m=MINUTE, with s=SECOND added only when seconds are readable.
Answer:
h=6 m=56
